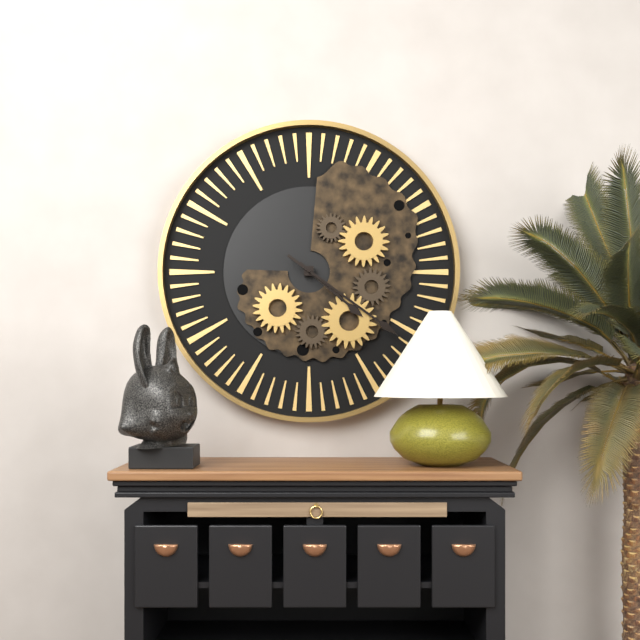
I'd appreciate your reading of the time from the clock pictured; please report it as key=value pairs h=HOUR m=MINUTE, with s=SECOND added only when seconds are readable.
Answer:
h=4 m=21
